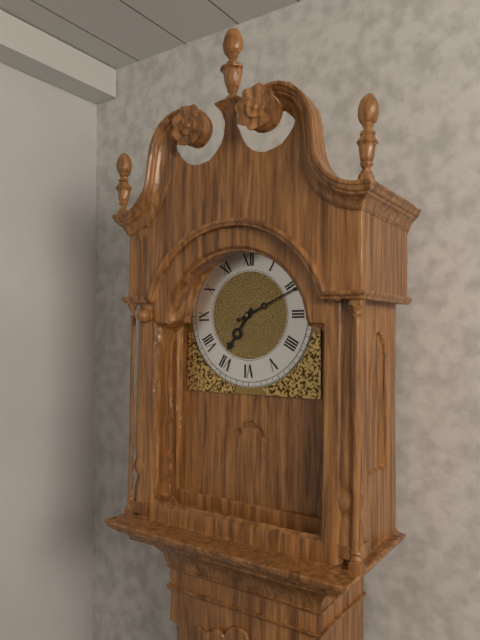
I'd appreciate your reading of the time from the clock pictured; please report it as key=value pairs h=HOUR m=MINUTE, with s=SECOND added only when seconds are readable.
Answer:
h=7 m=11
